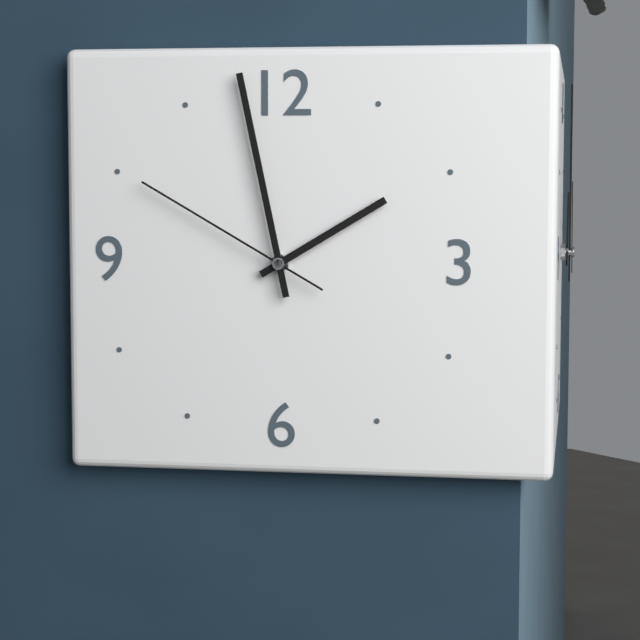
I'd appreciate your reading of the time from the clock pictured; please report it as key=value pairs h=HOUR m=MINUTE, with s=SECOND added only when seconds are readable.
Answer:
h=1 m=58 s=50
